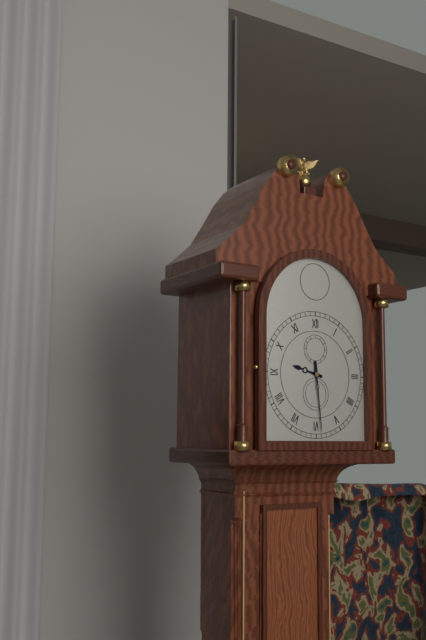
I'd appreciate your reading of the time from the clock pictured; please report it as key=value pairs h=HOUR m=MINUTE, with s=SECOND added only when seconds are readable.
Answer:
h=9 m=29
